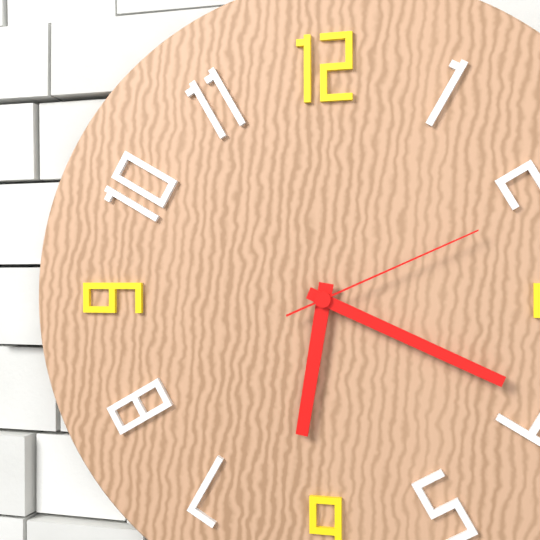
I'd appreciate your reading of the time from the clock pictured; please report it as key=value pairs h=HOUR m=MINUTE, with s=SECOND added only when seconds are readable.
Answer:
h=6 m=19 s=11
